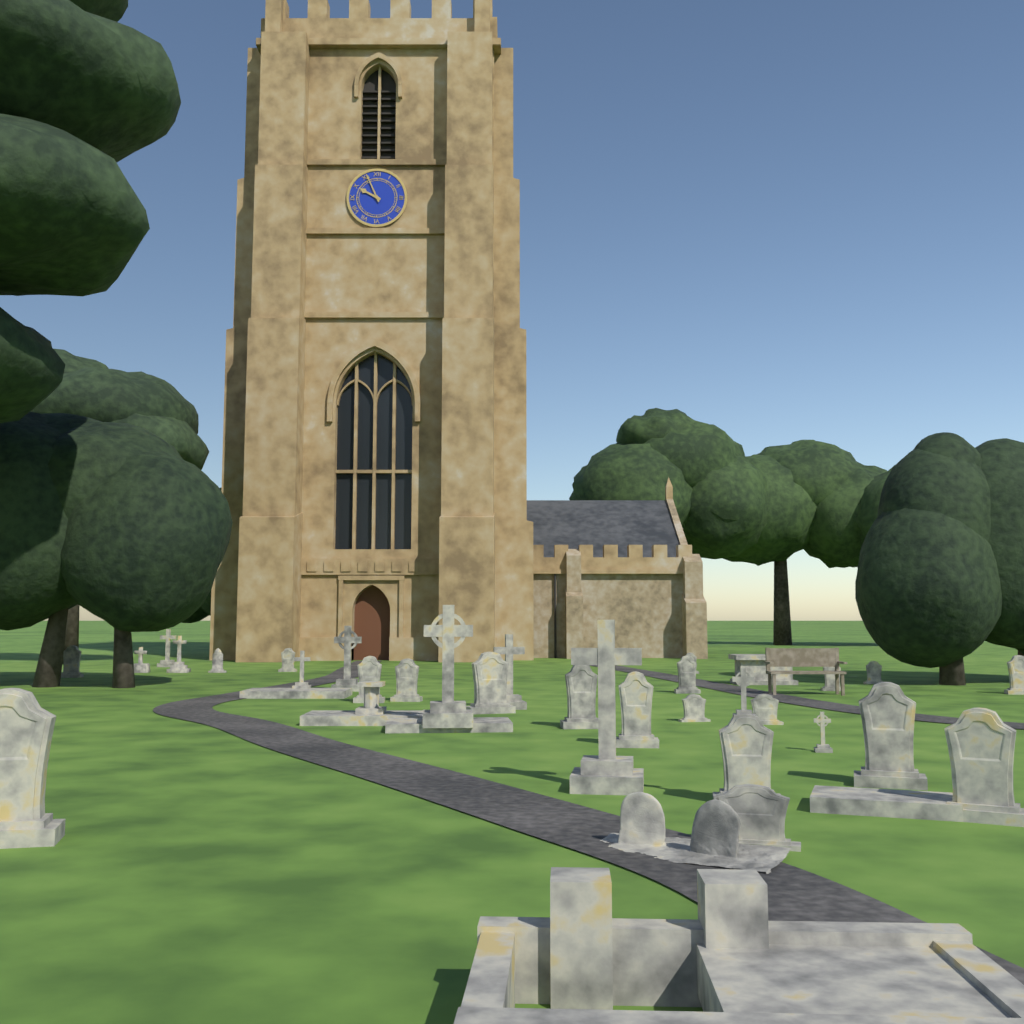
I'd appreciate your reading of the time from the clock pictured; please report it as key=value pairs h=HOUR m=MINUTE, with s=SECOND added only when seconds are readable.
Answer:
h=9 m=56
